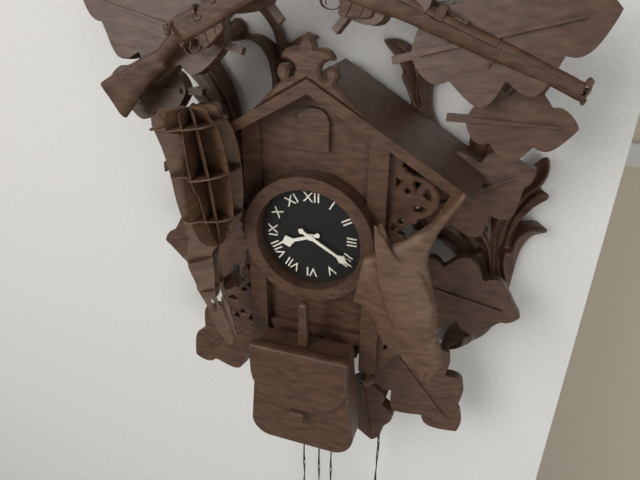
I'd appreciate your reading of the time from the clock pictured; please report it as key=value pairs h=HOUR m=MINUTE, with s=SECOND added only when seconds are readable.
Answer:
h=8 m=20
